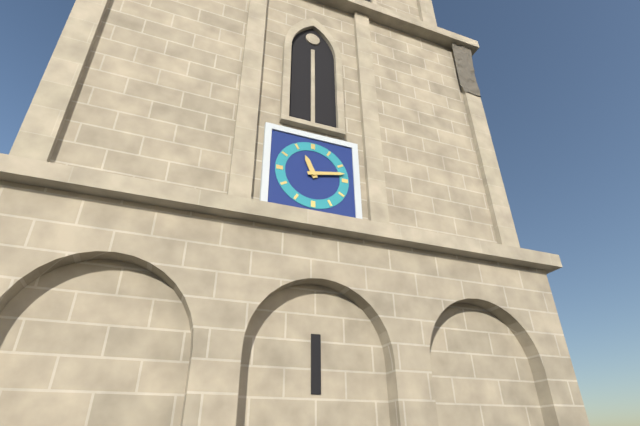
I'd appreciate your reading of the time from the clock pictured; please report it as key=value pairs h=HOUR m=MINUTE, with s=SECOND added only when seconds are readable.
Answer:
h=11 m=13
